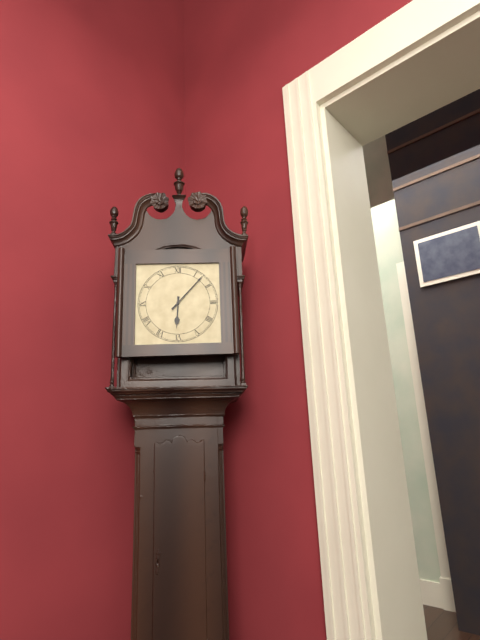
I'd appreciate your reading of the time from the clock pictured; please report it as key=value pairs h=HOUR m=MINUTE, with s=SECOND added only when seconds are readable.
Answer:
h=6 m=7
